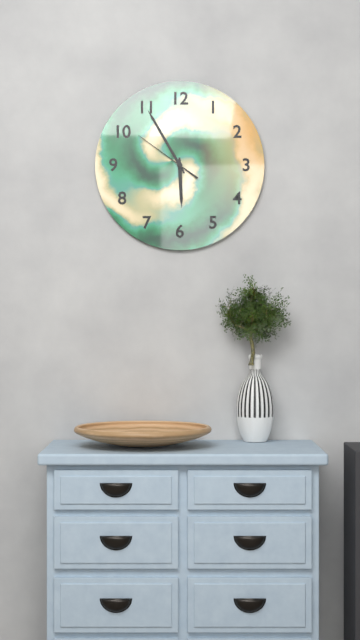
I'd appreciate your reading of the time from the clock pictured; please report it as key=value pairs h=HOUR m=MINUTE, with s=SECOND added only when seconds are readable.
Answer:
h=5 m=55 s=51
